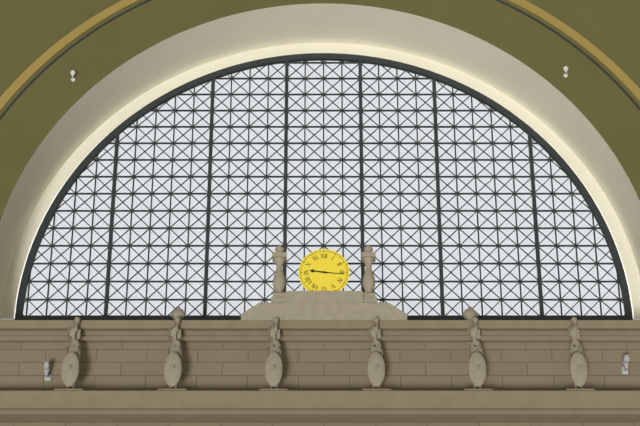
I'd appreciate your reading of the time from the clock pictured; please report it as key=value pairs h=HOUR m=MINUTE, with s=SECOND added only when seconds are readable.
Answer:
h=9 m=16
